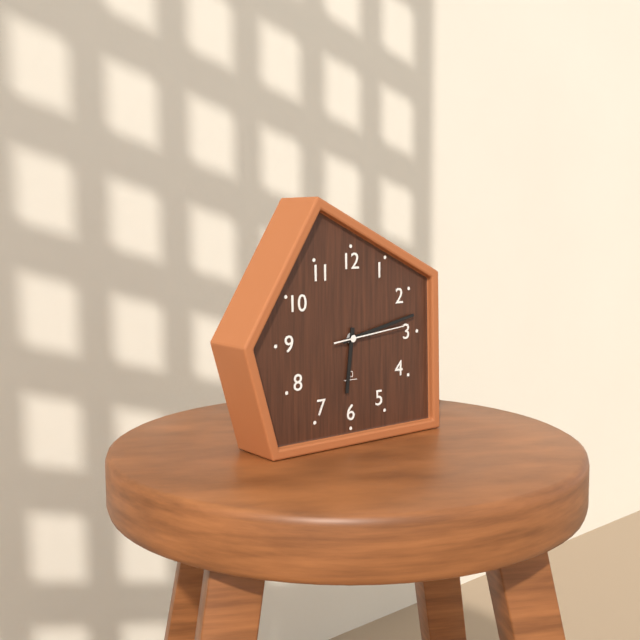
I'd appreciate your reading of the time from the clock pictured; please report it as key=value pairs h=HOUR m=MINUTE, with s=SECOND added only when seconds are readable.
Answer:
h=6 m=13 s=14
